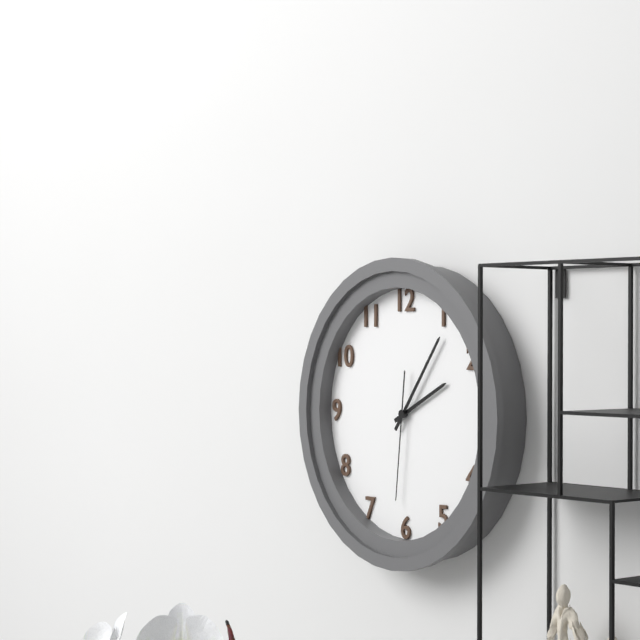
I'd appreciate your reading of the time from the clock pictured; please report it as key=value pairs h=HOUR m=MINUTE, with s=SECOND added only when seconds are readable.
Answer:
h=2 m=6 s=31
